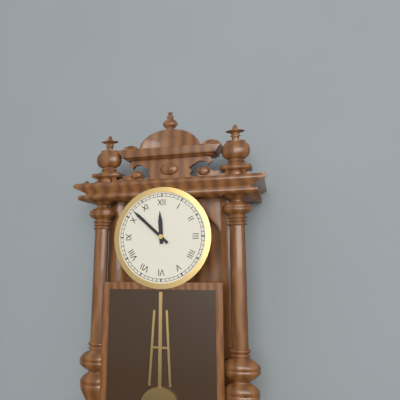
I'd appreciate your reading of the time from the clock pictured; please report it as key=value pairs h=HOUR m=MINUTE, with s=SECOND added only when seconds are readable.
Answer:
h=11 m=52
